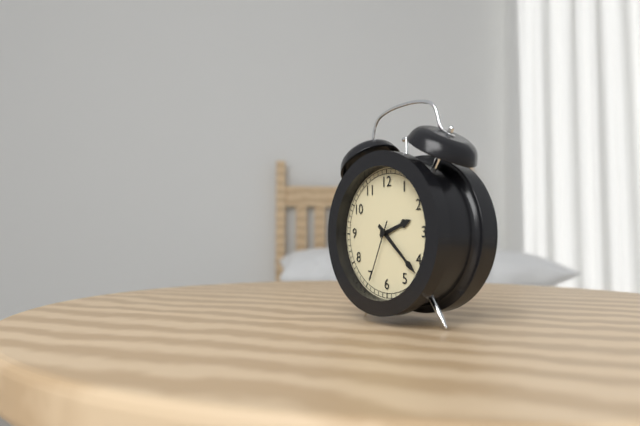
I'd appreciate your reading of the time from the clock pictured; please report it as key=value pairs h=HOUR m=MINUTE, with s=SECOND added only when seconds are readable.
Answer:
h=2 m=22 s=34
